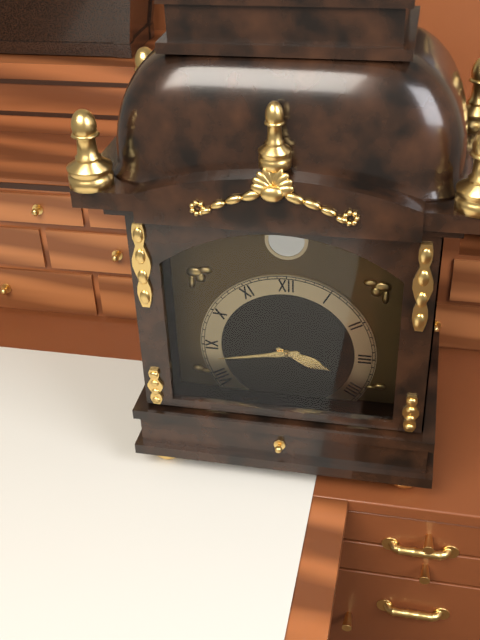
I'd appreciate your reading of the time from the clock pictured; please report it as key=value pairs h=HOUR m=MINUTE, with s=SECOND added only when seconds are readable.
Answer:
h=3 m=43
